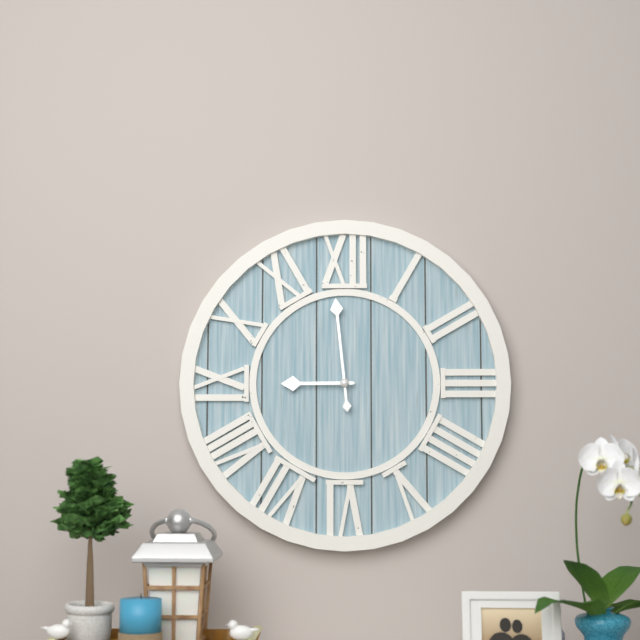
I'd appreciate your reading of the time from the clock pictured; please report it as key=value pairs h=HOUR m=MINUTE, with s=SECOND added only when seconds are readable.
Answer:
h=8 m=59
